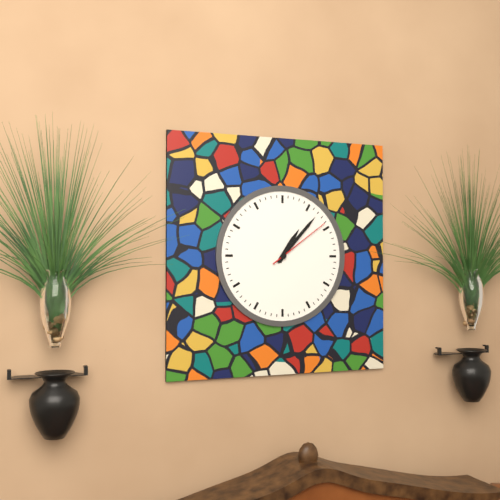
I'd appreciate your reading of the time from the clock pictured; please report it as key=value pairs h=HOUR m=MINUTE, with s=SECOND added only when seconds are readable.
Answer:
h=1 m=7 s=9
